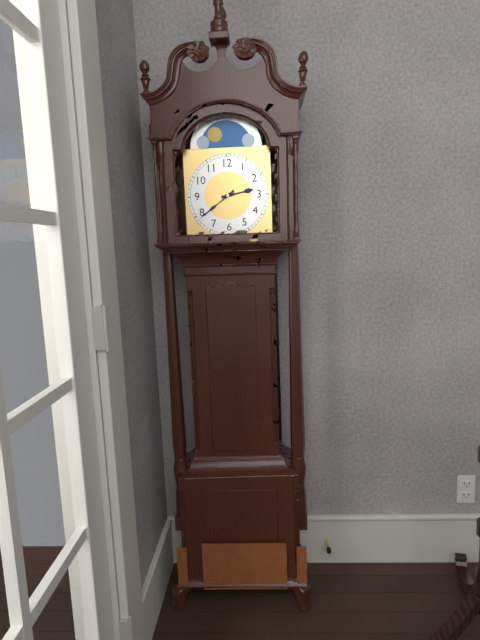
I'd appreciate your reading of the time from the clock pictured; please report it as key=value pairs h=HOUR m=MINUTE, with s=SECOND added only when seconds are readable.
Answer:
h=2 m=39
